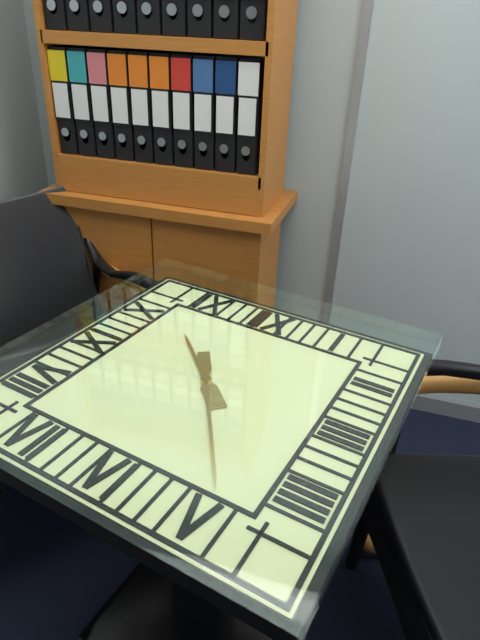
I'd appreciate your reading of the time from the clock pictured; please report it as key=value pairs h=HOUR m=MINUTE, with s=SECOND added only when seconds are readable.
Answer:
h=10 m=24
